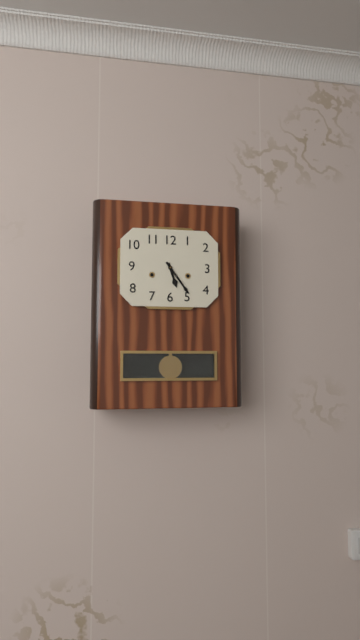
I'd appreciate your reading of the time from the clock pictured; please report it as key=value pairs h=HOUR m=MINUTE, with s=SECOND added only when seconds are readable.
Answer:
h=5 m=24
